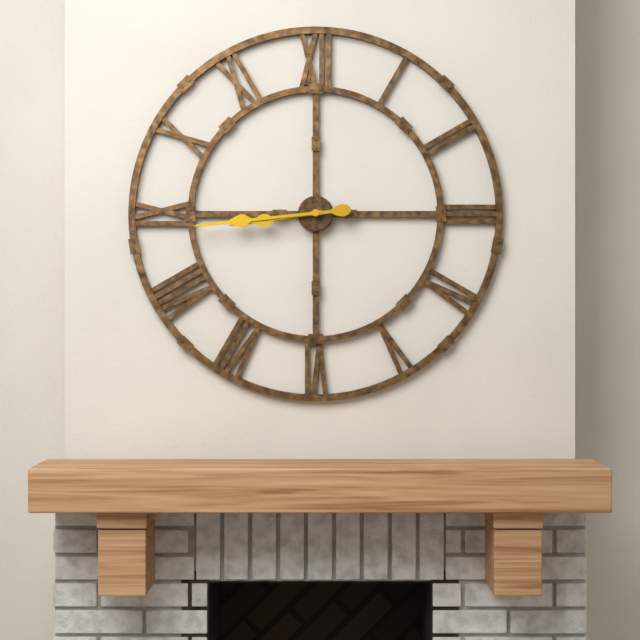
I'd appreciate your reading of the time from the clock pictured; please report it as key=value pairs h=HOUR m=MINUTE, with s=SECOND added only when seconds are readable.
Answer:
h=8 m=44
